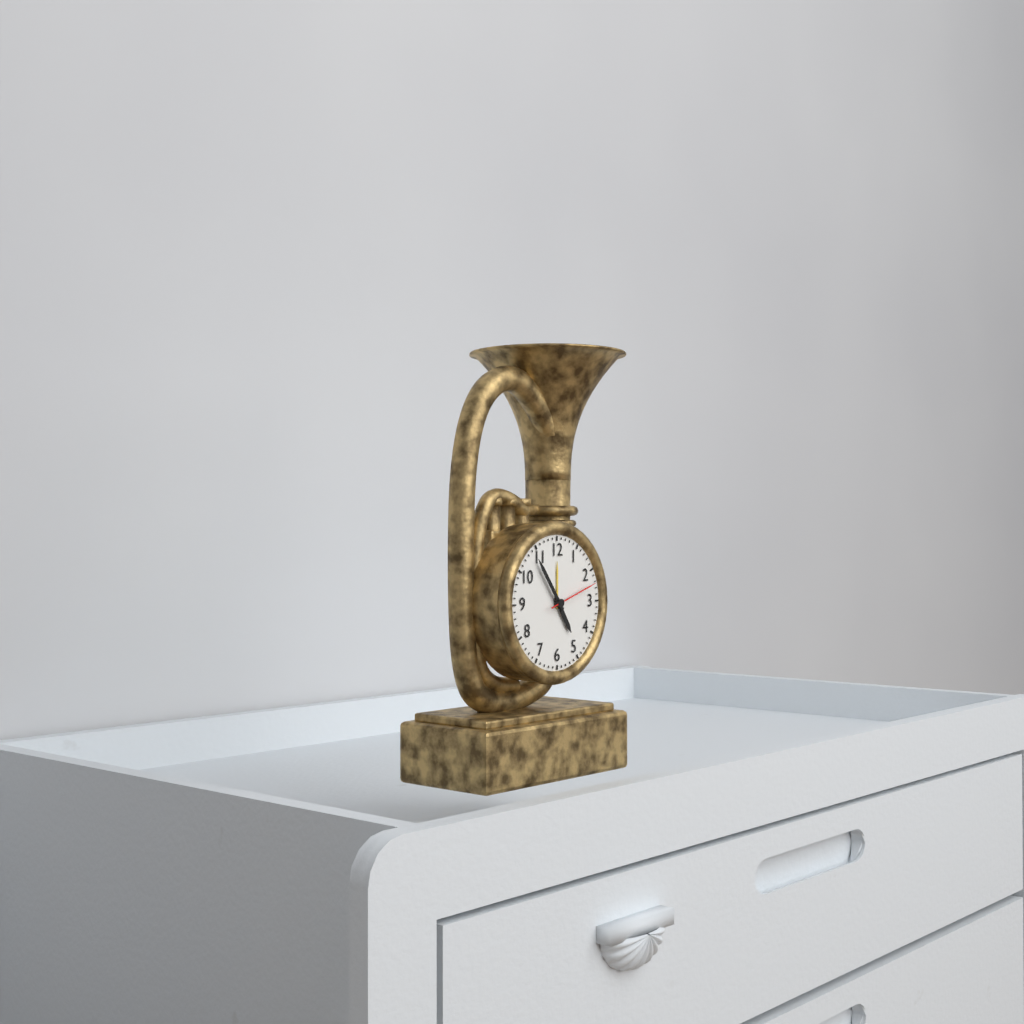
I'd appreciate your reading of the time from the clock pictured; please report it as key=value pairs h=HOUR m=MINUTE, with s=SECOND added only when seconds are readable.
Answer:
h=4 m=54 s=12
